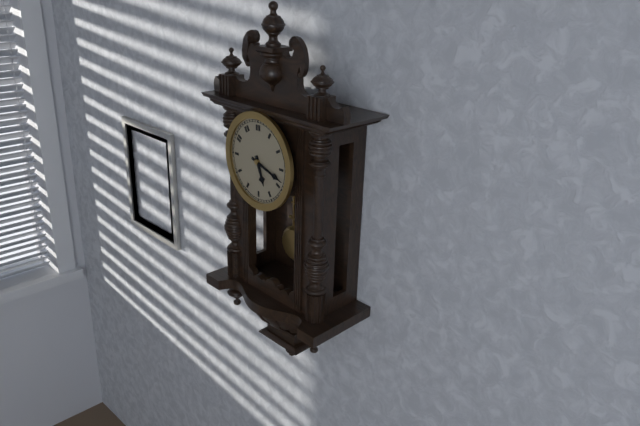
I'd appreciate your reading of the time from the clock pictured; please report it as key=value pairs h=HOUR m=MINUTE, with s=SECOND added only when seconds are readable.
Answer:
h=5 m=18
